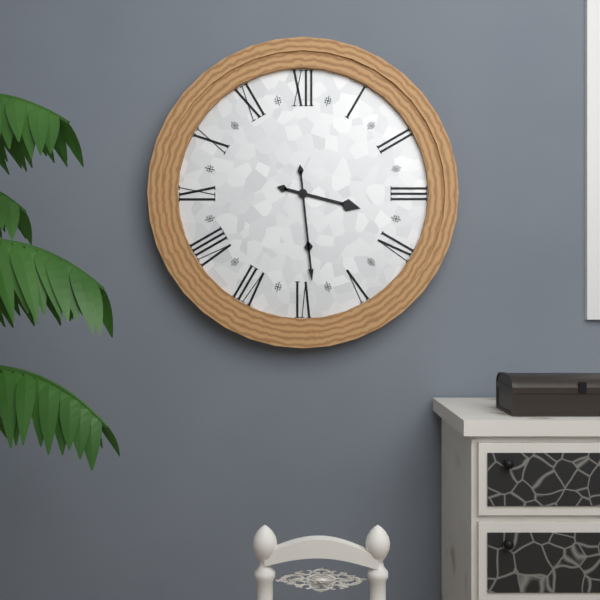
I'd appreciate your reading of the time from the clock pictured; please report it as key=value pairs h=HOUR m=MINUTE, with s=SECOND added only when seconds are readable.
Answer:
h=3 m=29
